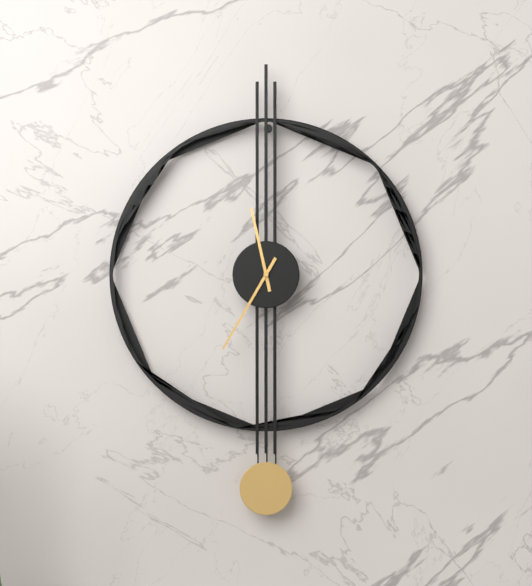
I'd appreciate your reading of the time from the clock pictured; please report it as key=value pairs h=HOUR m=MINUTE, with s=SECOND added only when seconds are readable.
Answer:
h=11 m=35
